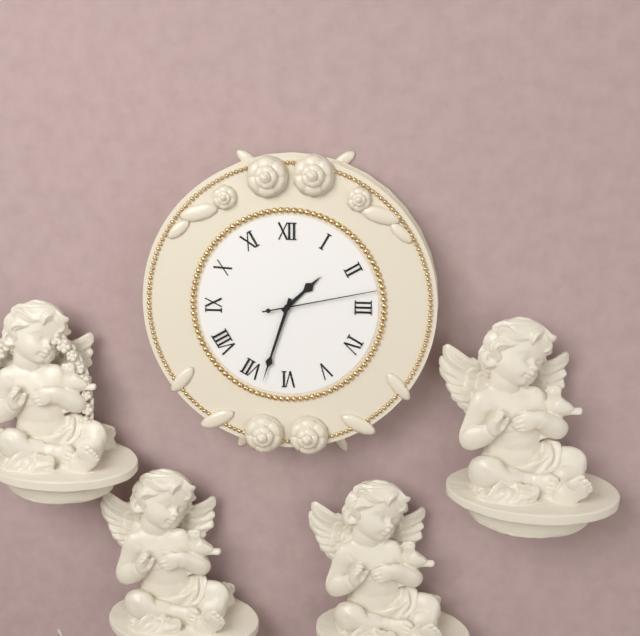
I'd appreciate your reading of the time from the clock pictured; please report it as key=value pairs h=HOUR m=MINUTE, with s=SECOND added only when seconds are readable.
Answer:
h=1 m=33 s=13
